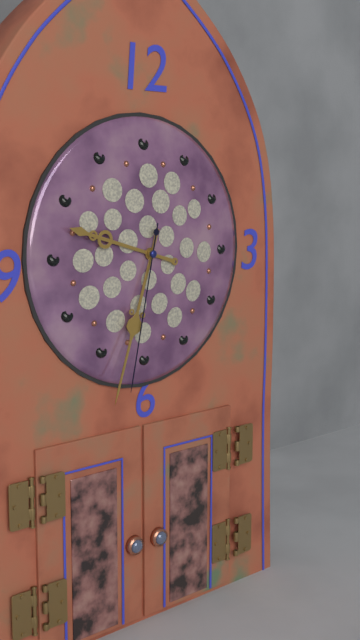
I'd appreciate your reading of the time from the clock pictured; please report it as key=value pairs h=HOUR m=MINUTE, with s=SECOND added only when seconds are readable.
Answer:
h=9 m=33 s=32
